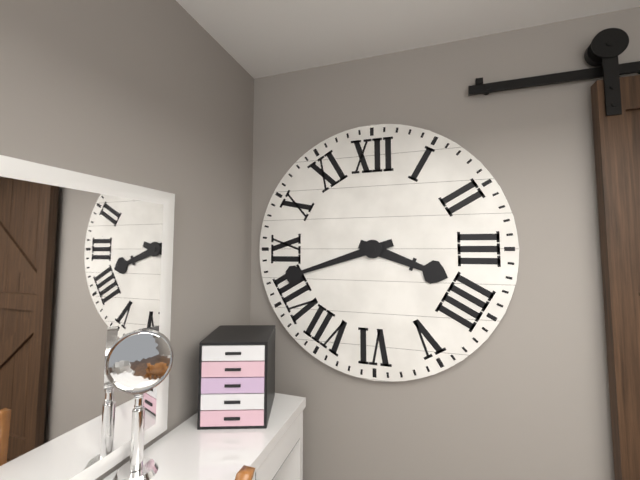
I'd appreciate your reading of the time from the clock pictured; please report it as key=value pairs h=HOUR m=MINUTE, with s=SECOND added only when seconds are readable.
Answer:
h=3 m=42
